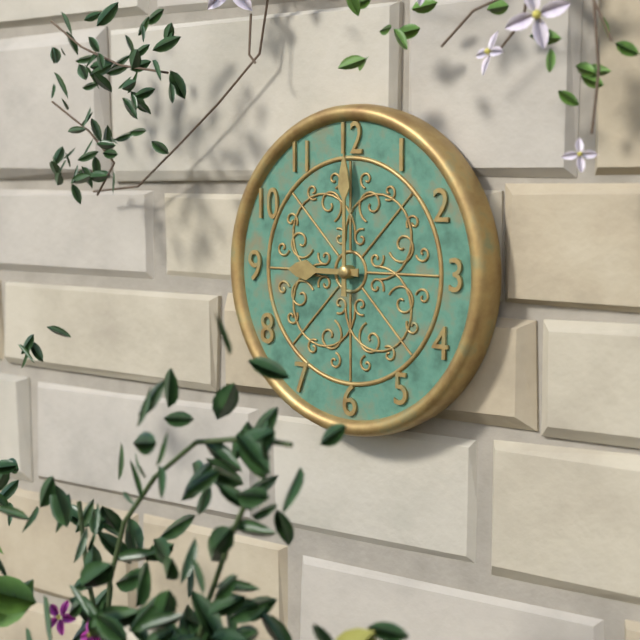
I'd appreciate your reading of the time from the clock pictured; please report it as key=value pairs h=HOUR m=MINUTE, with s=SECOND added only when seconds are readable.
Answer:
h=9 m=0
